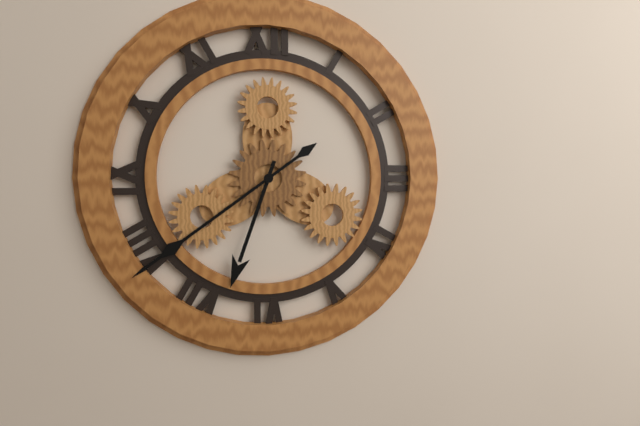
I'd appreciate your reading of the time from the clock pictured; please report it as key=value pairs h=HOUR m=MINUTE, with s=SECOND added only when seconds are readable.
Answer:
h=6 m=39
